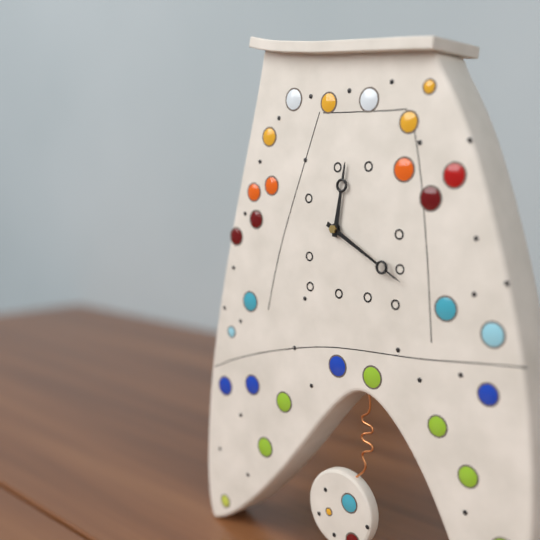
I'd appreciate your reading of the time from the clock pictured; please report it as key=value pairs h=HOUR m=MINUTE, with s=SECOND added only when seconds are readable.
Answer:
h=12 m=20
